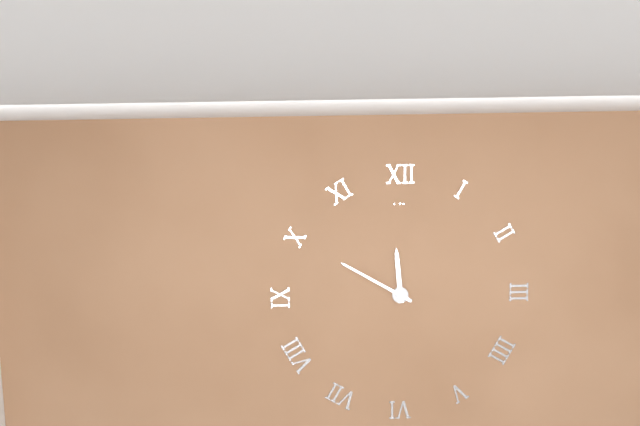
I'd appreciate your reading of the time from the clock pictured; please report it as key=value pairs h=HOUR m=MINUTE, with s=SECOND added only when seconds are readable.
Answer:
h=11 m=50
